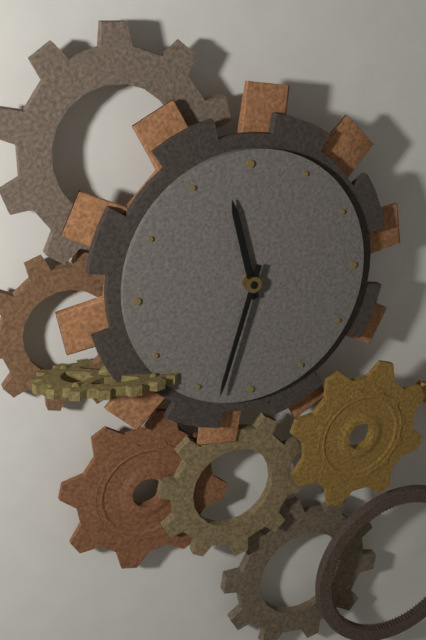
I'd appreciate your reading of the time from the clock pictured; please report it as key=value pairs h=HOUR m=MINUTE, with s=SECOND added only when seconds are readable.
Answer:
h=11 m=33
